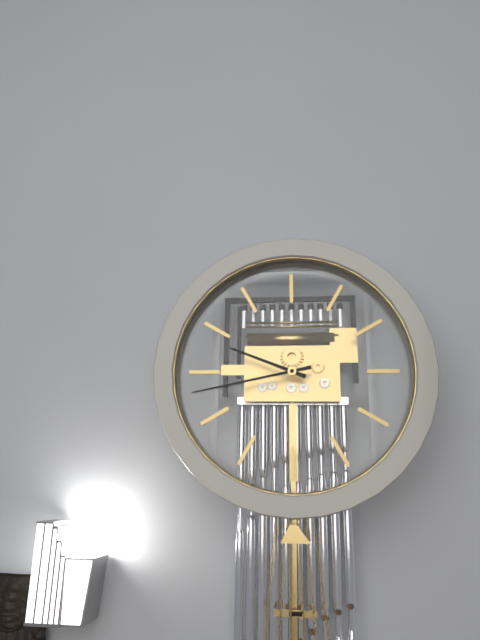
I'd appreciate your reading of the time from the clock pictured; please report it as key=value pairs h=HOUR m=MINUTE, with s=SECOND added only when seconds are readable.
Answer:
h=9 m=43
